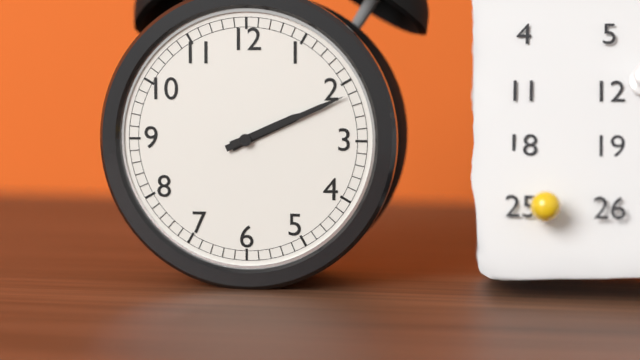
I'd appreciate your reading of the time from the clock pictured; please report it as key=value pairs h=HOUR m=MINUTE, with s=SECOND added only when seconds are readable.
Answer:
h=2 m=11
